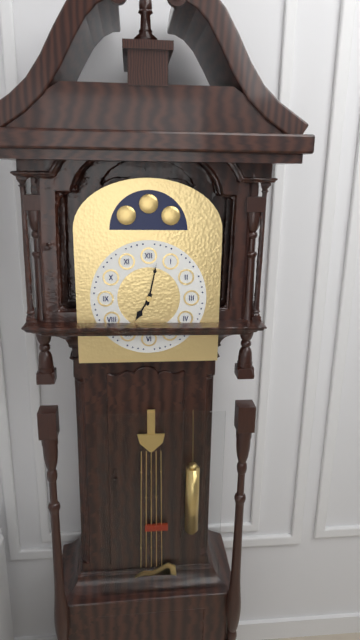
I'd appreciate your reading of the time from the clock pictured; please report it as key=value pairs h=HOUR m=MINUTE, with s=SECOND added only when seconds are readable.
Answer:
h=7 m=2
